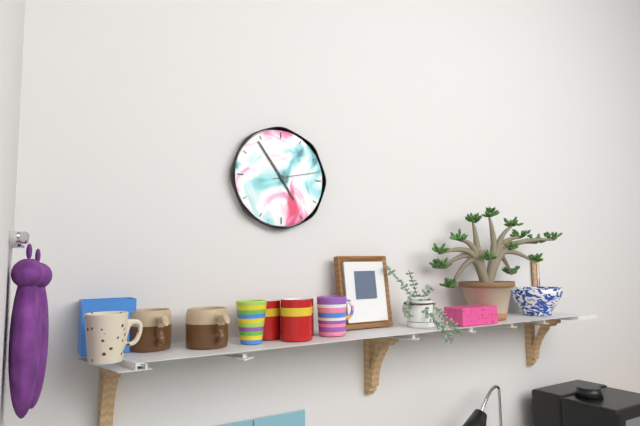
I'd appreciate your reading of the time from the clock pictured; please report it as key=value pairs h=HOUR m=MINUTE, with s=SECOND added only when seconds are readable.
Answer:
h=4 m=54
